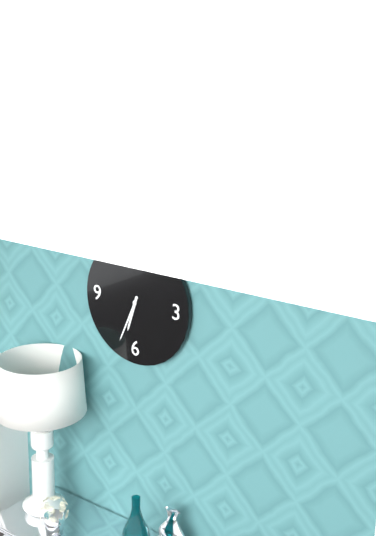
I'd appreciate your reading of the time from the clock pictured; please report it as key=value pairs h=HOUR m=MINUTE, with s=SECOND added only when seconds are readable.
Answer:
h=6 m=34
